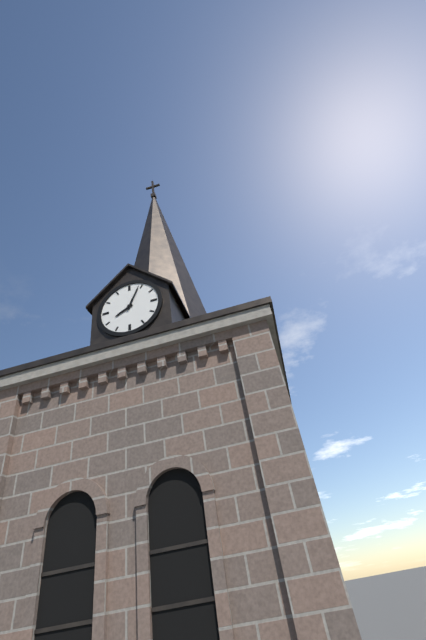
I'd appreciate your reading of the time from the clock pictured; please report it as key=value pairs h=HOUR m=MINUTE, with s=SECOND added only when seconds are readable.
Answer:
h=8 m=4
